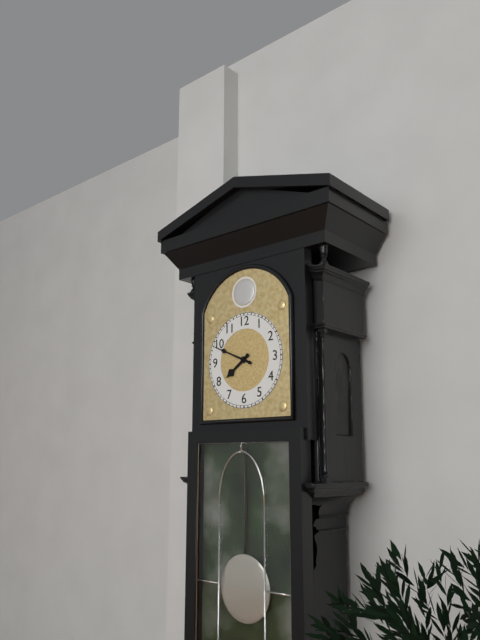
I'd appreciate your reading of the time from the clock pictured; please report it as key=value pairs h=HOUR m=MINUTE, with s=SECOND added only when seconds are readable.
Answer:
h=7 m=49
